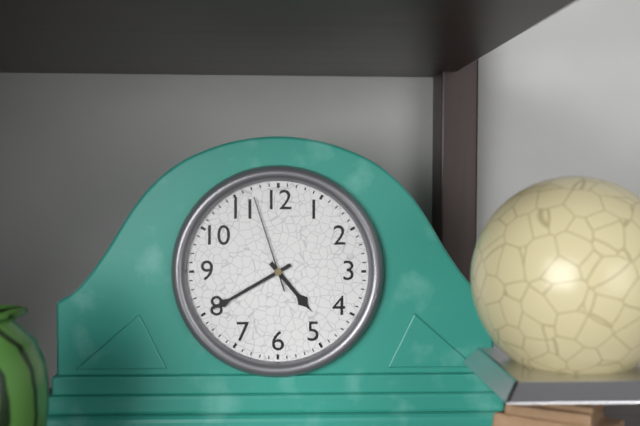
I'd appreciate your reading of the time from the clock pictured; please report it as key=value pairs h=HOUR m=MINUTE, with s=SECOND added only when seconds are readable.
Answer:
h=4 m=40 s=57
